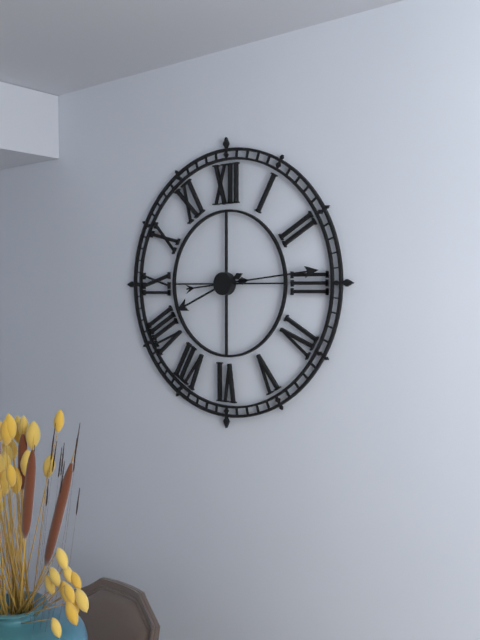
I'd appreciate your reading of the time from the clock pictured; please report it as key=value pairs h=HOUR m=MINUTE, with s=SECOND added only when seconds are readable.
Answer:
h=8 m=14
